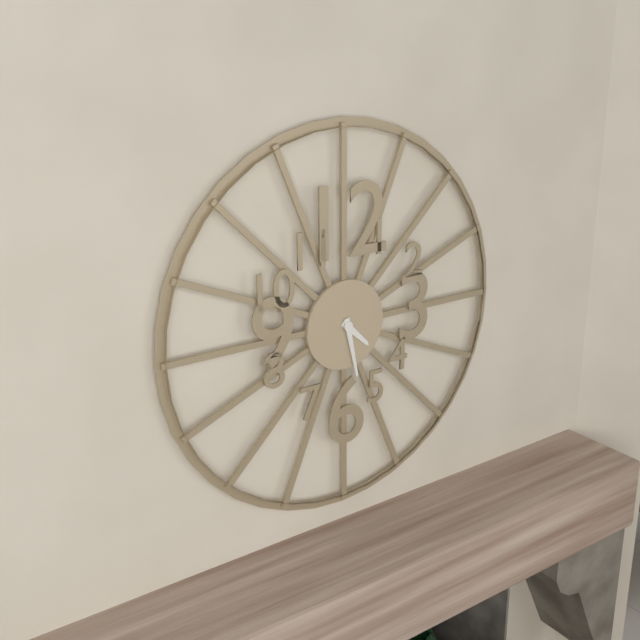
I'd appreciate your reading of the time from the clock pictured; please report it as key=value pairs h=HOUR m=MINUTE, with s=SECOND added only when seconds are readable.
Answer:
h=4 m=28
